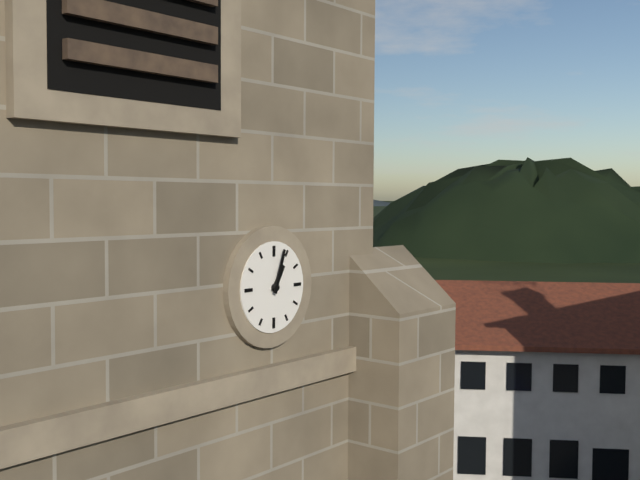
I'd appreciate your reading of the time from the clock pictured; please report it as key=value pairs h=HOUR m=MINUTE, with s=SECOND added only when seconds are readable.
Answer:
h=1 m=3
